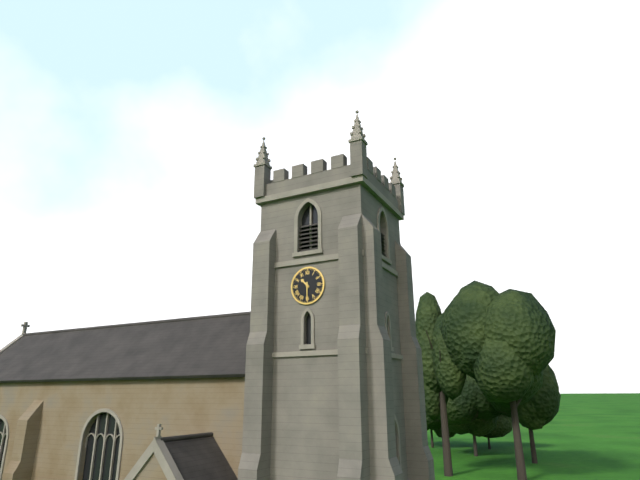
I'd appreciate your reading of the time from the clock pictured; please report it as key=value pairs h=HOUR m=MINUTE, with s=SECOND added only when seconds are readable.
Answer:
h=10 m=30
